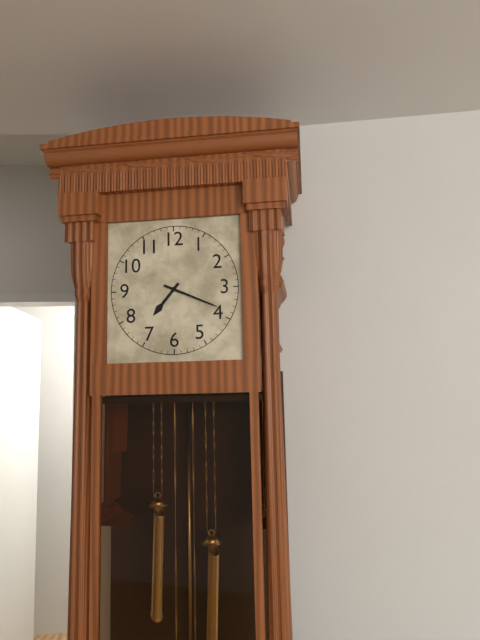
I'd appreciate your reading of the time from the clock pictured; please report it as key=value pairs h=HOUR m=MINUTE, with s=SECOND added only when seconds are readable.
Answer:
h=7 m=19
